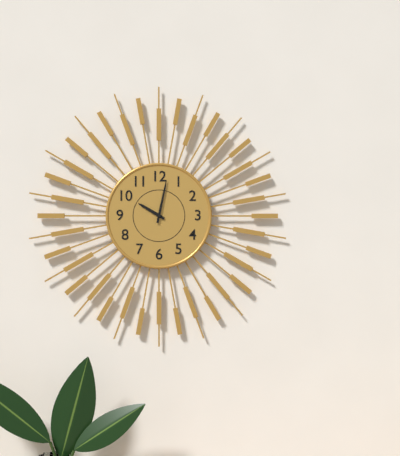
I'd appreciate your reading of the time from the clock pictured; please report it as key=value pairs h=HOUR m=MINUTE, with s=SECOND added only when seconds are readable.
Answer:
h=10 m=2
